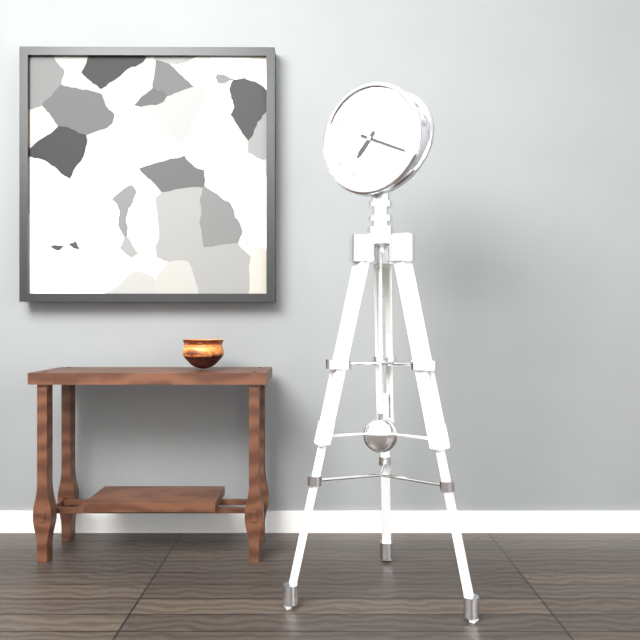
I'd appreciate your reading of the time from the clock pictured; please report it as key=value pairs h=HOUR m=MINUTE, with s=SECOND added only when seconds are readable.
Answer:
h=7 m=19
